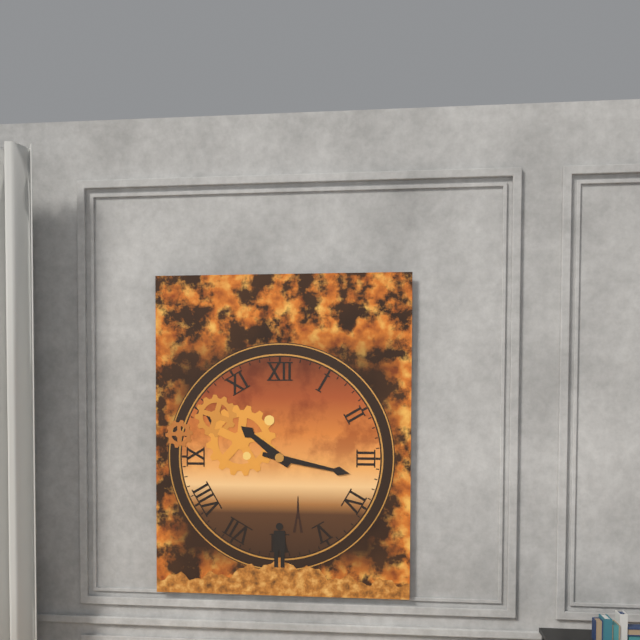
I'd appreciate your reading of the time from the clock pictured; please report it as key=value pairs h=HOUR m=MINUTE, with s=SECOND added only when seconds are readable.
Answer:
h=10 m=17
